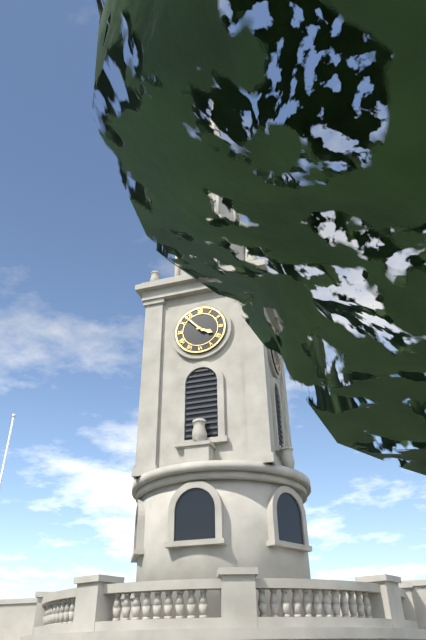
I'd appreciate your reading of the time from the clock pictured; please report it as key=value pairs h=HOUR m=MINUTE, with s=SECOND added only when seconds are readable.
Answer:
h=3 m=53
